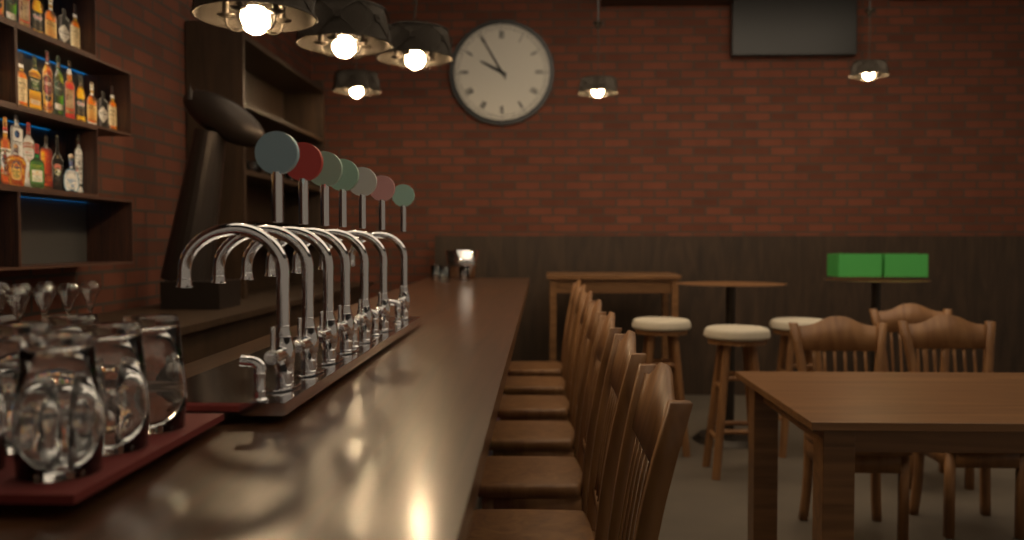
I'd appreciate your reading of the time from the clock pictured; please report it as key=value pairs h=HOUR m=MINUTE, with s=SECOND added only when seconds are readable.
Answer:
h=9 m=55
